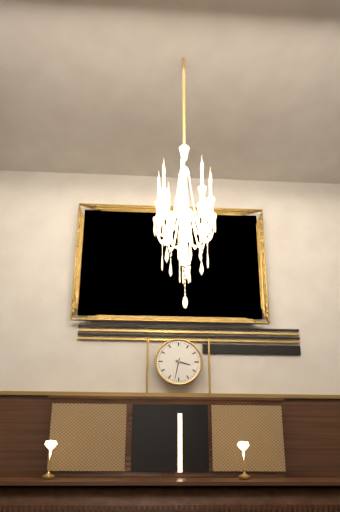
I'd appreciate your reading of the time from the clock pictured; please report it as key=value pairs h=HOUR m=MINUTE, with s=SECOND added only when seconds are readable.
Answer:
h=3 m=32
